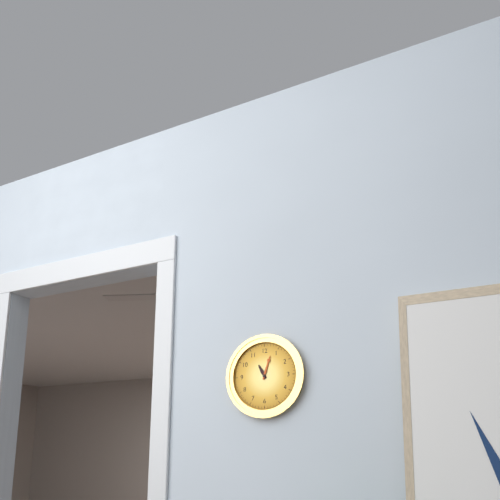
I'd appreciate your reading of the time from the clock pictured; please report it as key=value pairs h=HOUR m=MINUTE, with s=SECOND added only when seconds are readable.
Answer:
h=11 m=3
